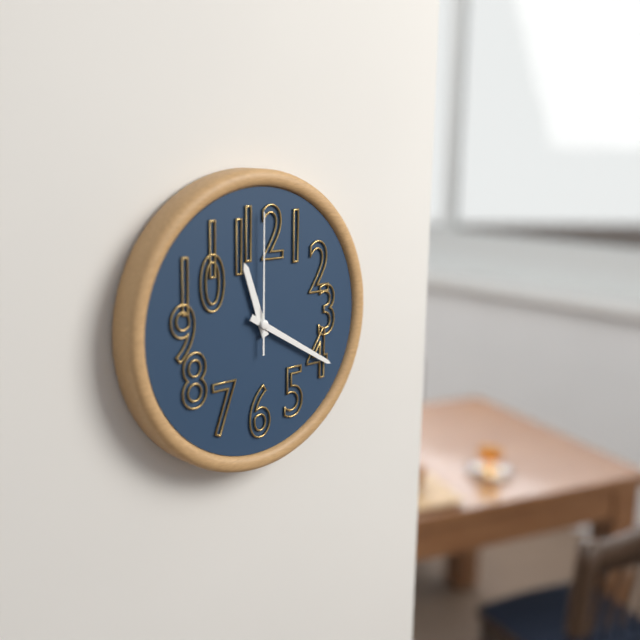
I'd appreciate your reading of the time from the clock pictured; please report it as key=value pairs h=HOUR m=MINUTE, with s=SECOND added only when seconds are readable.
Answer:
h=11 m=20 s=0
